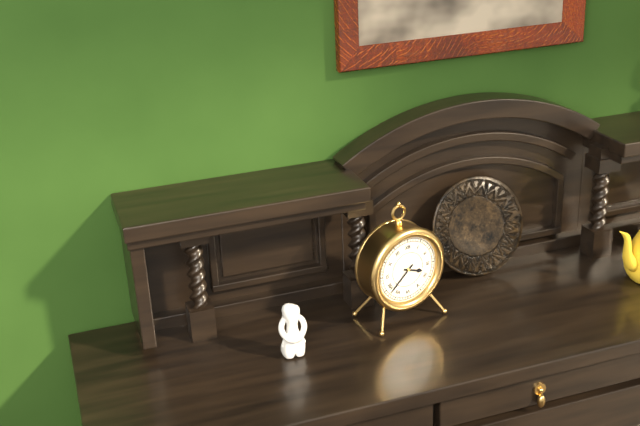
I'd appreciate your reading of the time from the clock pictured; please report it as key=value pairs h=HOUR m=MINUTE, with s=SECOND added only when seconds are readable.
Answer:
h=3 m=38
